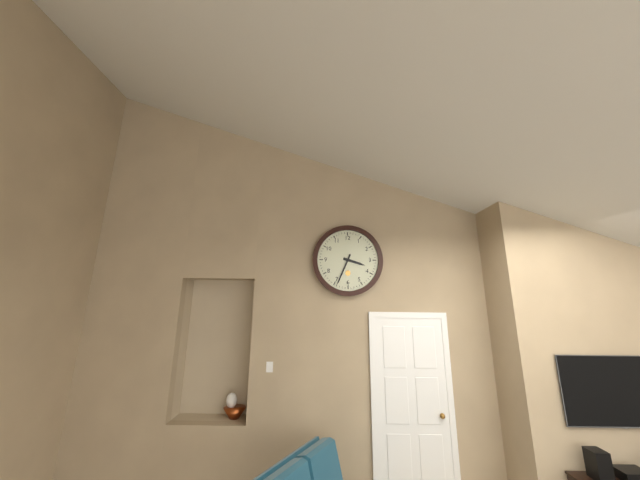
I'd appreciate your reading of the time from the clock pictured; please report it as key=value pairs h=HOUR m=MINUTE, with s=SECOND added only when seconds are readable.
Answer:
h=3 m=34
